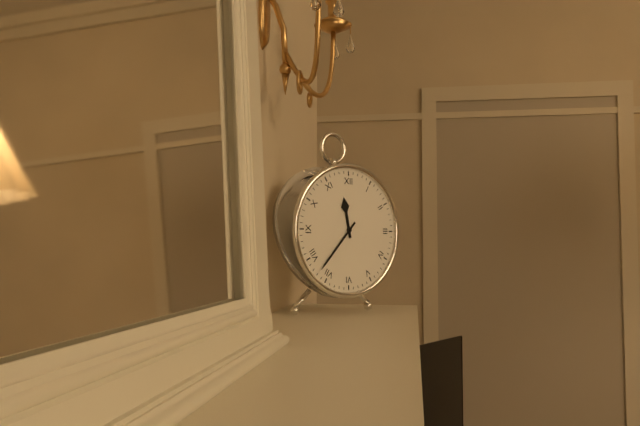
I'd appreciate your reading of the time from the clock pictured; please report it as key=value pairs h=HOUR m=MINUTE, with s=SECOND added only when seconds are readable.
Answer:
h=11 m=37
